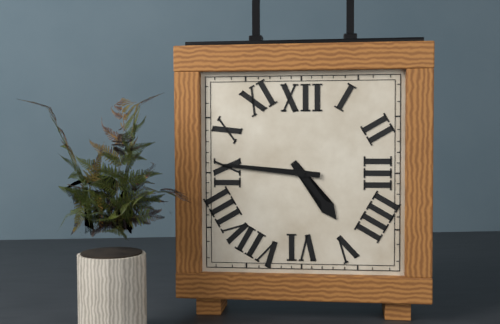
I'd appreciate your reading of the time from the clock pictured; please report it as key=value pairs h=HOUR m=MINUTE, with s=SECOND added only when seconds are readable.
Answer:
h=4 m=46
